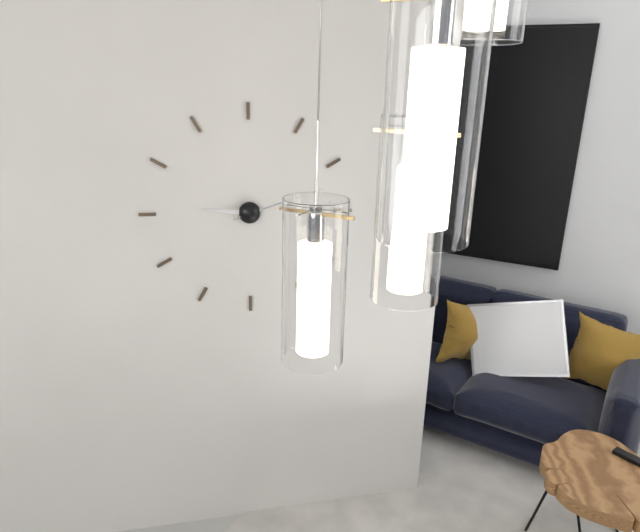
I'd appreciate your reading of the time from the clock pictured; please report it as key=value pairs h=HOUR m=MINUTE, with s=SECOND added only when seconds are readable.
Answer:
h=9 m=12
